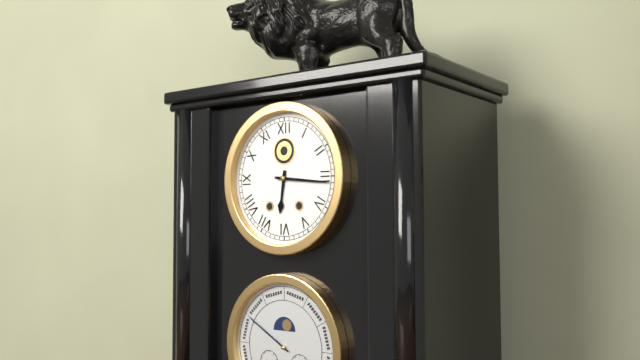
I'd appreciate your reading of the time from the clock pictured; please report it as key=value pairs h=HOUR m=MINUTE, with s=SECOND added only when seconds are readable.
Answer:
h=6 m=16
